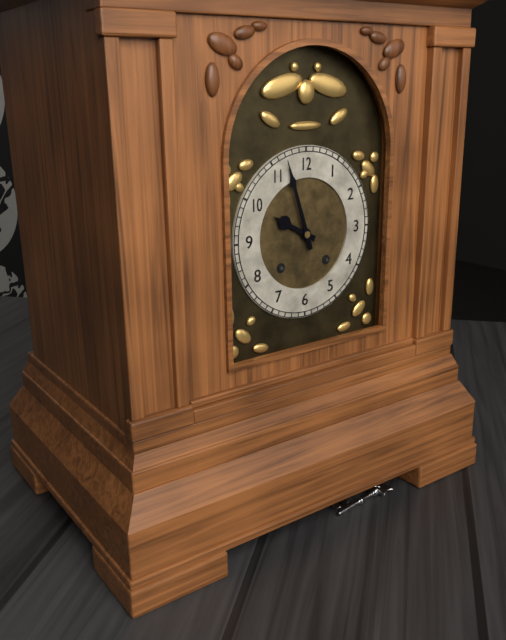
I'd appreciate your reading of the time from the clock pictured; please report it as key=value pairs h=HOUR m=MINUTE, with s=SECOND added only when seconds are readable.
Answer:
h=9 m=57
